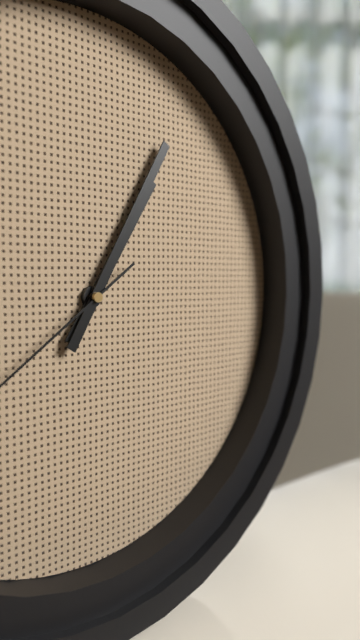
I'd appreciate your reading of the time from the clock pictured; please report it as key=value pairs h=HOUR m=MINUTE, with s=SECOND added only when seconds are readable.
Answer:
h=1 m=5
